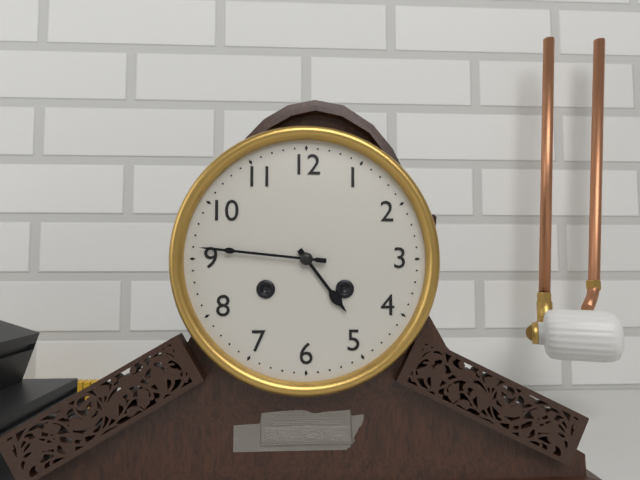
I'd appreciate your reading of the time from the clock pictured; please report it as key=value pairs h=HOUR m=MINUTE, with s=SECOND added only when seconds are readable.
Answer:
h=4 m=46
